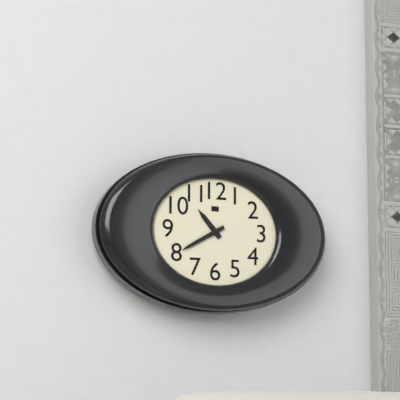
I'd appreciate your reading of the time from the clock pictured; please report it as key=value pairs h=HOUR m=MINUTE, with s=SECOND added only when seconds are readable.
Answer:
h=10 m=40
